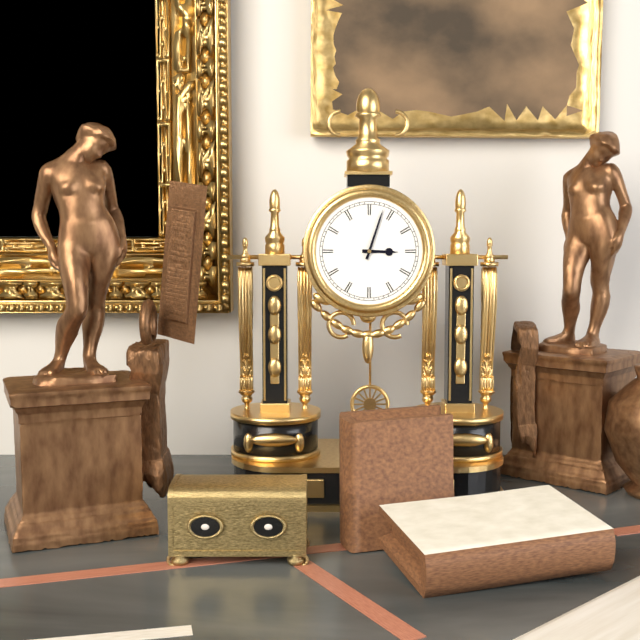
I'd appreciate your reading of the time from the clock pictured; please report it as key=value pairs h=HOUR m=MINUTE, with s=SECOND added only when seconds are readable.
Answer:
h=3 m=3
